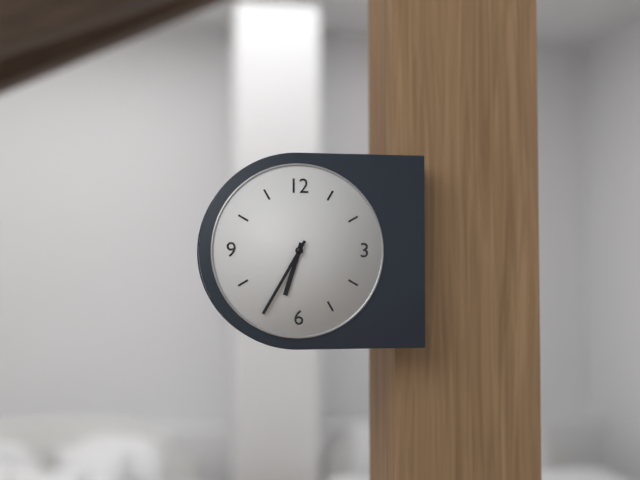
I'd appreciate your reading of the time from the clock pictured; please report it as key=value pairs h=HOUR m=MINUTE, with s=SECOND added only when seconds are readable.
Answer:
h=6 m=35
